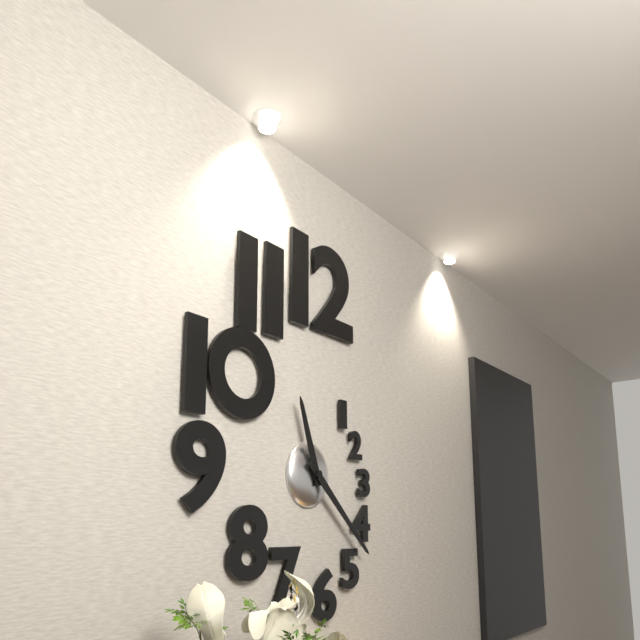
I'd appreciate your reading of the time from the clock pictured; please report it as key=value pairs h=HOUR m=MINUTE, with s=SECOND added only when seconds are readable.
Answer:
h=11 m=22
